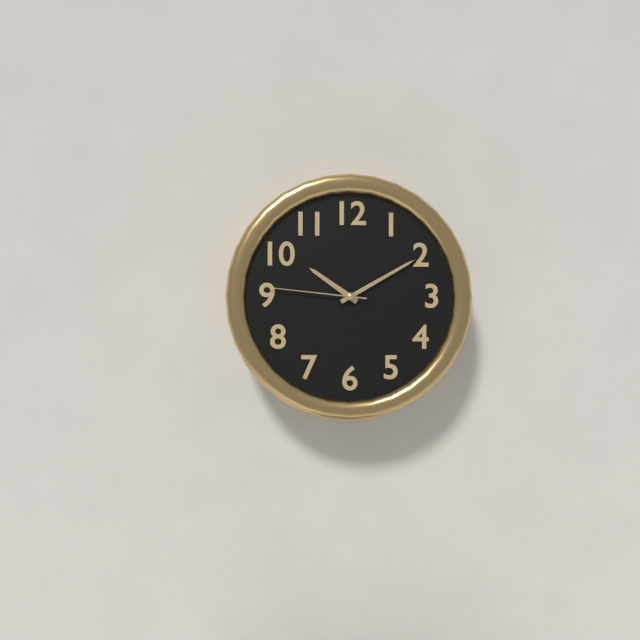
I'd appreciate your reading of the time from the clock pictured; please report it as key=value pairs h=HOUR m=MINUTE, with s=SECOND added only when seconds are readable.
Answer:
h=10 m=10 s=46
